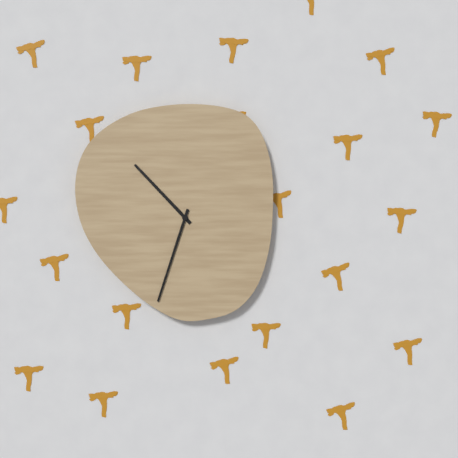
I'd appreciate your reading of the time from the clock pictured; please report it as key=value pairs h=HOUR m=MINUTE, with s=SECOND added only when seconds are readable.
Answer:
h=10 m=33
